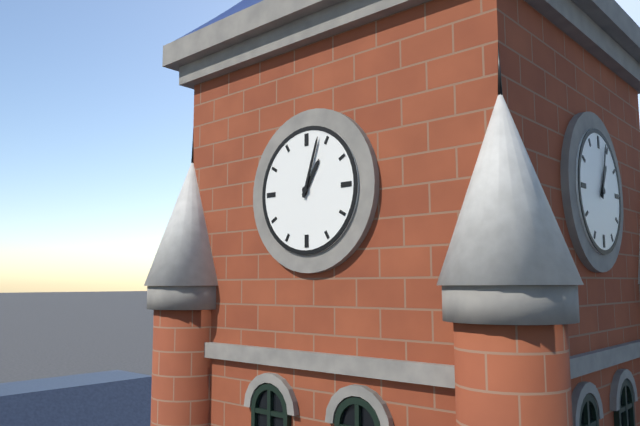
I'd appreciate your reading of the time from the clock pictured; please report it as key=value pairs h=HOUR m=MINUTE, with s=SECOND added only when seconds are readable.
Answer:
h=1 m=3
